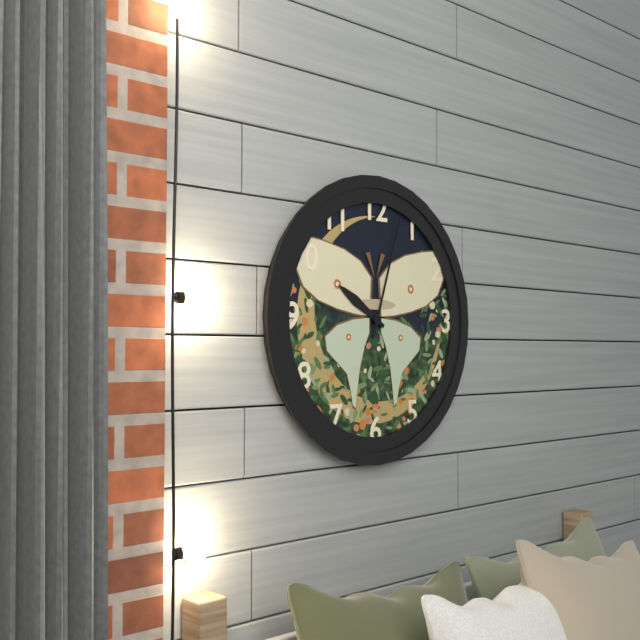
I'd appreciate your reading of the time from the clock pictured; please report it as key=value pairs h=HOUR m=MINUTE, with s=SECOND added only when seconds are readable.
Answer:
h=10 m=3
